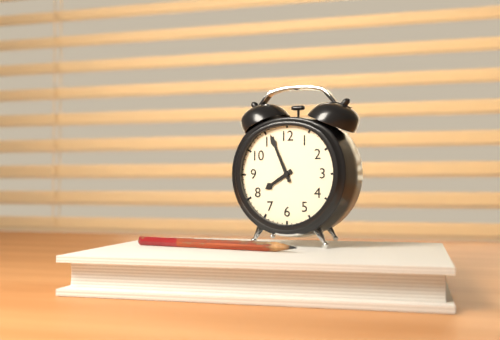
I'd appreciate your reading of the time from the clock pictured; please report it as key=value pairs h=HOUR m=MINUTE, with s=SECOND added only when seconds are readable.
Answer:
h=7 m=56
